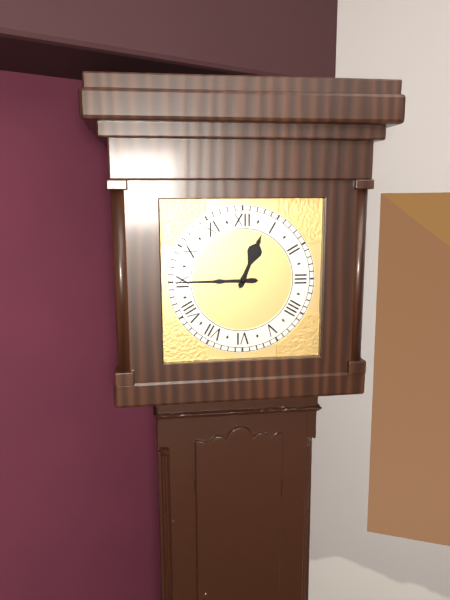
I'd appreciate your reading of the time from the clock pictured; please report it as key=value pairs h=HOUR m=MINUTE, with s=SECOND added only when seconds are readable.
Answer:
h=12 m=45
